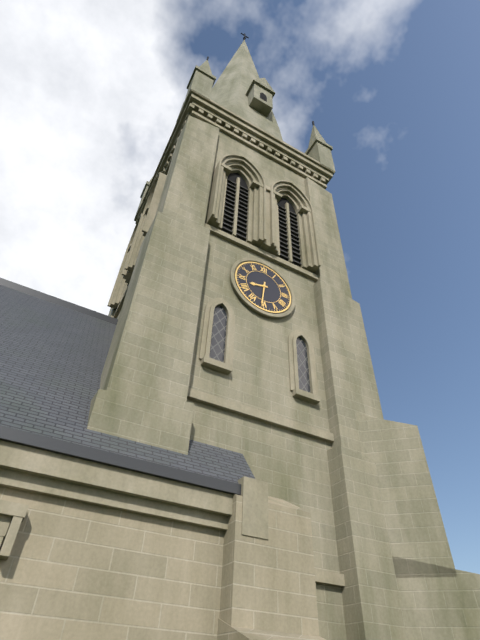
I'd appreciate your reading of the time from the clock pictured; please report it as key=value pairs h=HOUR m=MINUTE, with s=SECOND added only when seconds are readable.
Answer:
h=8 m=31
